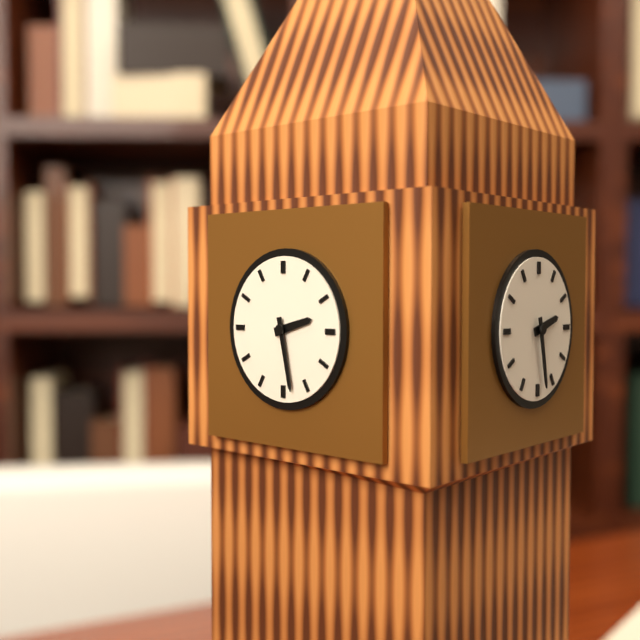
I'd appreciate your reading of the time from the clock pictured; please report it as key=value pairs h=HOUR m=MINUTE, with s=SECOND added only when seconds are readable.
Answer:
h=2 m=28
